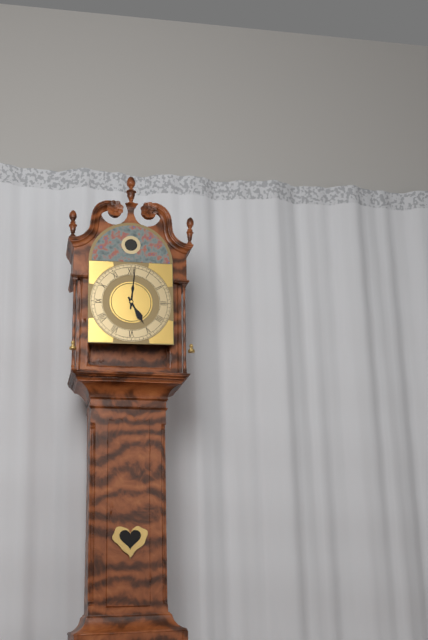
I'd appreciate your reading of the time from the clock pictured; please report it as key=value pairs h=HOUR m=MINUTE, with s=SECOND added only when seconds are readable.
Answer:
h=5 m=1
